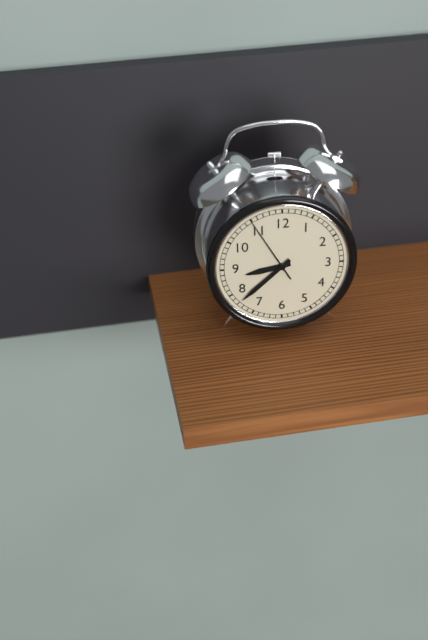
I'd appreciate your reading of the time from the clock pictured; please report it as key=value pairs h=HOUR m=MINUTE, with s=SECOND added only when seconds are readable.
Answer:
h=8 m=38 s=55
